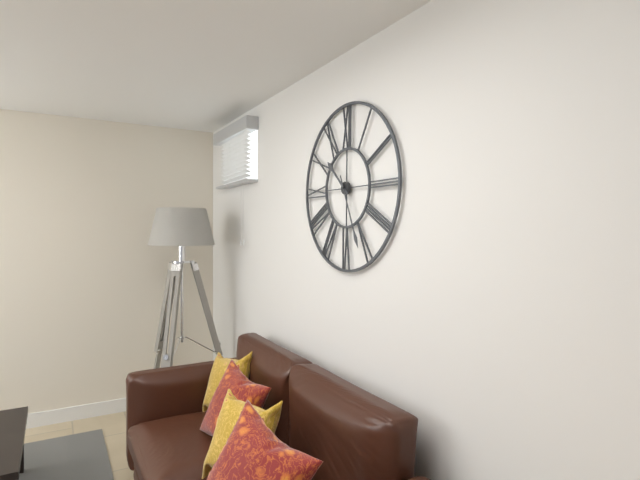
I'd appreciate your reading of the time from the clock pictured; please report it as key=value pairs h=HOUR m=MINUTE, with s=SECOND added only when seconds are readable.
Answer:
h=10 m=26
